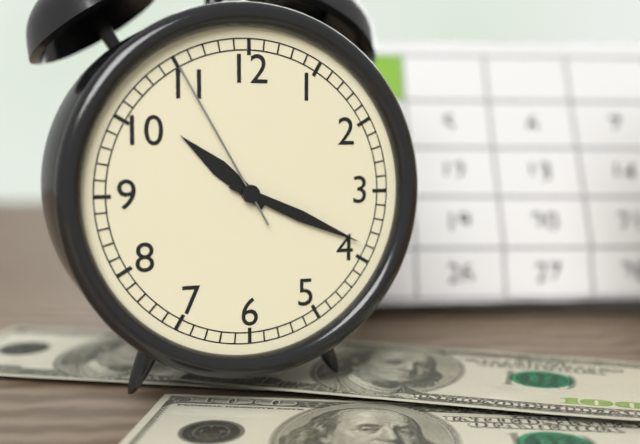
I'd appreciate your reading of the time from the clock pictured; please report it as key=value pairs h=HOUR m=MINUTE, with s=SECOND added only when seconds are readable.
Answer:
h=10 m=19 s=55
